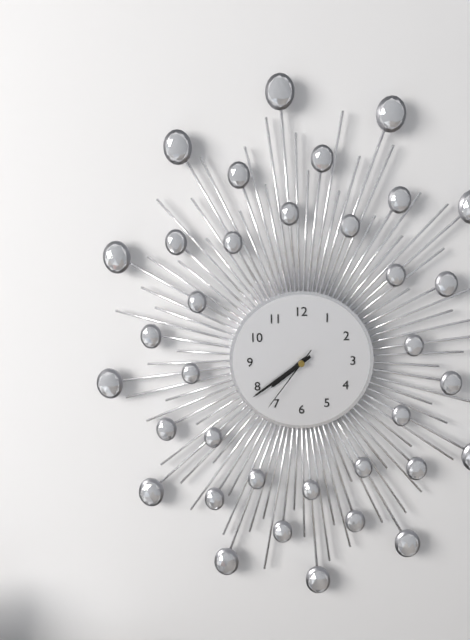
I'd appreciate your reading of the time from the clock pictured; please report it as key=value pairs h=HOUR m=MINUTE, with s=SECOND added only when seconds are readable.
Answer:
h=7 m=39 s=36
